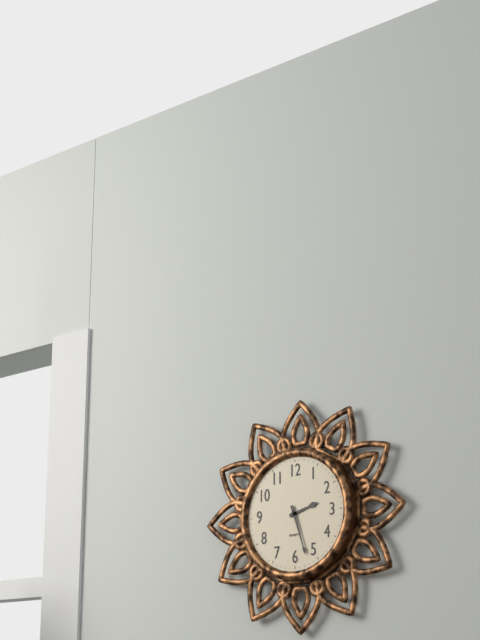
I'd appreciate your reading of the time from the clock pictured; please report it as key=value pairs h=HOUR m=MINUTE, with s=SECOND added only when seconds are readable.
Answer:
h=2 m=27
